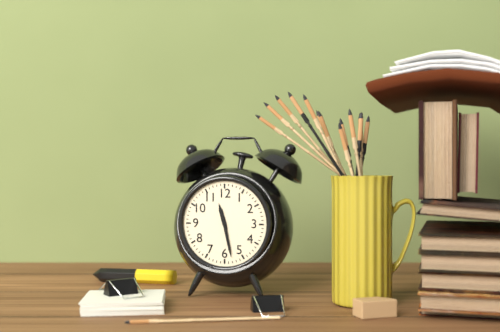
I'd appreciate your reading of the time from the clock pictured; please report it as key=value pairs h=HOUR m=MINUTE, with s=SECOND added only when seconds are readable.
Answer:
h=11 m=28
